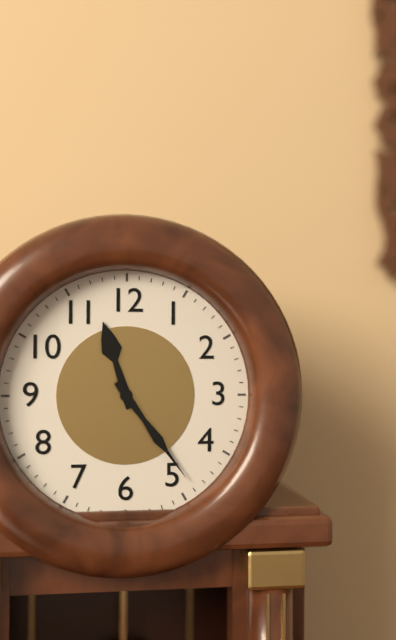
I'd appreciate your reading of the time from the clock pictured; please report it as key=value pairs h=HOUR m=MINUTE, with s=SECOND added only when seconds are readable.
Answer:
h=11 m=24
